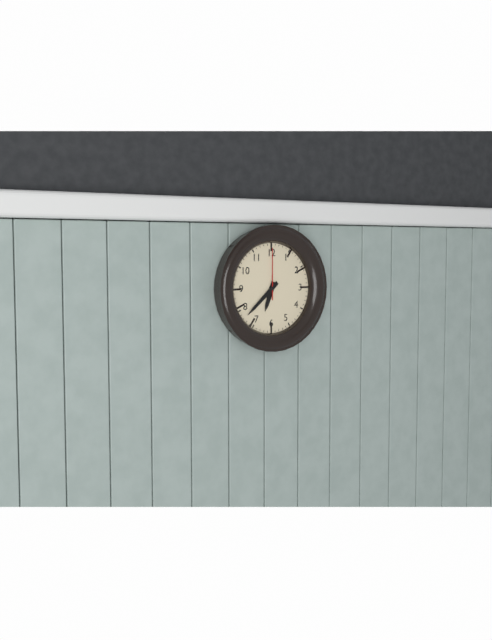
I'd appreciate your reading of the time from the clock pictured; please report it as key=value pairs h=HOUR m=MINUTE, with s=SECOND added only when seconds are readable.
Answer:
h=6 m=38 s=0
